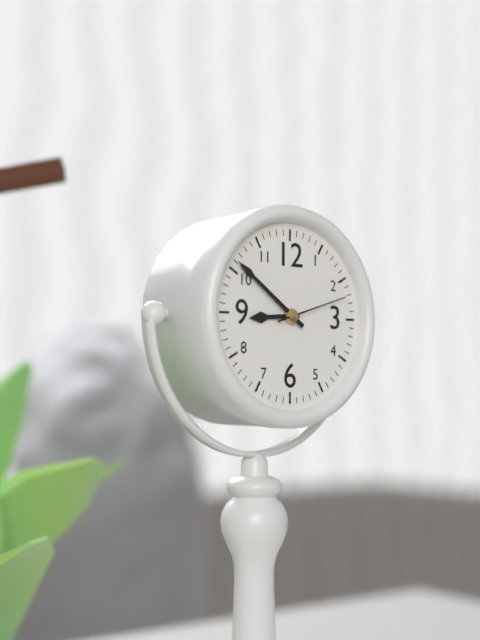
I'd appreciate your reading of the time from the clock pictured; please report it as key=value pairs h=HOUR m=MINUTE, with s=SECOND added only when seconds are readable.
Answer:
h=8 m=51 s=12
